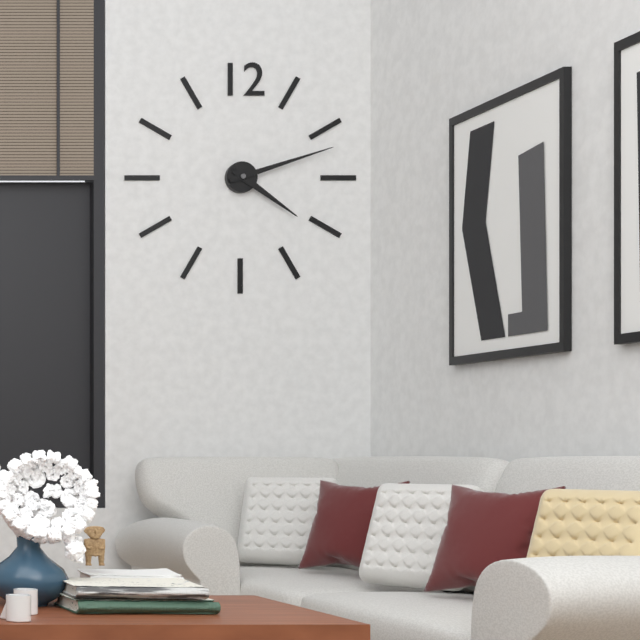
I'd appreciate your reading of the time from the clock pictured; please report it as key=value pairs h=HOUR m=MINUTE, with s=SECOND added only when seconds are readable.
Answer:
h=4 m=12
